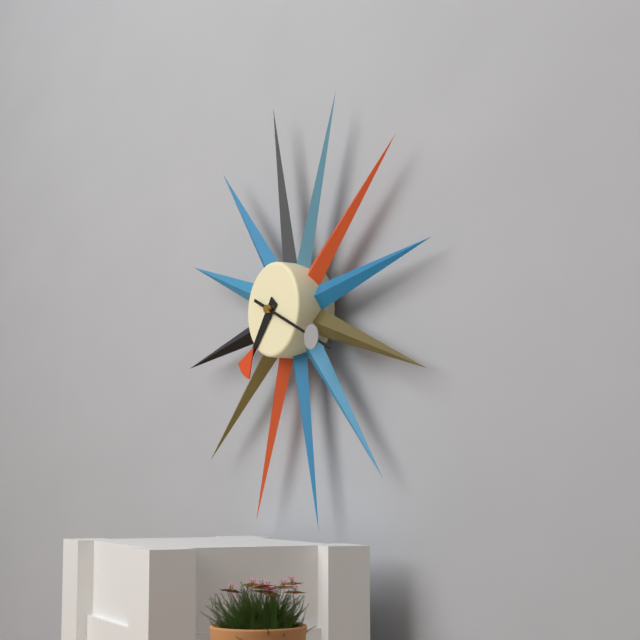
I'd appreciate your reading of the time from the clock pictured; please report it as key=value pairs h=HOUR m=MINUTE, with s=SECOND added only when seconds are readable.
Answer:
h=7 m=19
